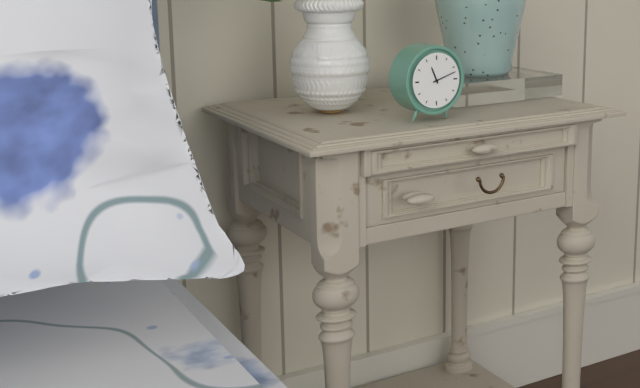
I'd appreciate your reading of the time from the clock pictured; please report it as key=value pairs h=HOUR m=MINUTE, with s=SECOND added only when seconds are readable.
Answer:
h=11 m=12
